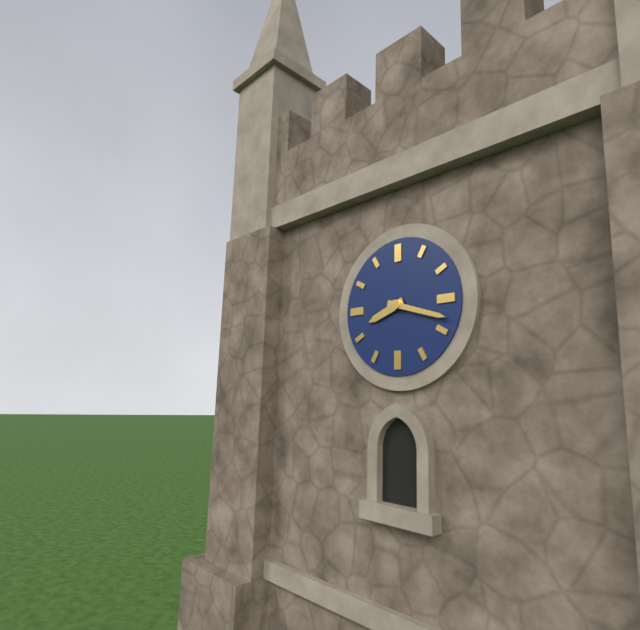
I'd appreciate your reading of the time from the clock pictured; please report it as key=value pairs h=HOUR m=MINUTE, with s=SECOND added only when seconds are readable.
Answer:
h=8 m=18
